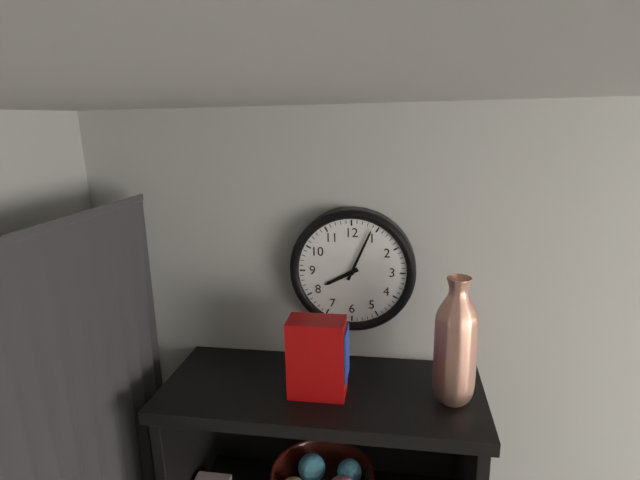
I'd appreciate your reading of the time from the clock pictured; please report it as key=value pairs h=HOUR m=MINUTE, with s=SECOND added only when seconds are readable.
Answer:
h=8 m=4
